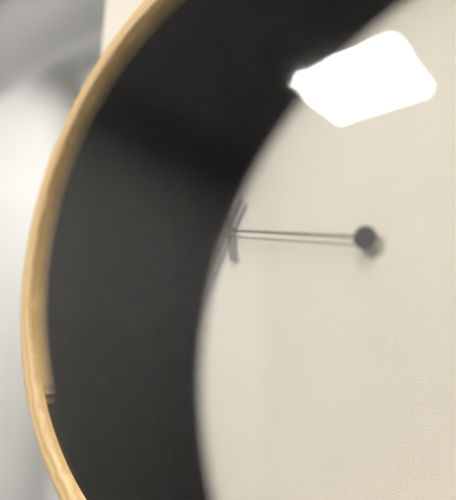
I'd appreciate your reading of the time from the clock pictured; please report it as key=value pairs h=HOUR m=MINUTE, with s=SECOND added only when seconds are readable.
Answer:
h=11 m=35 s=47
